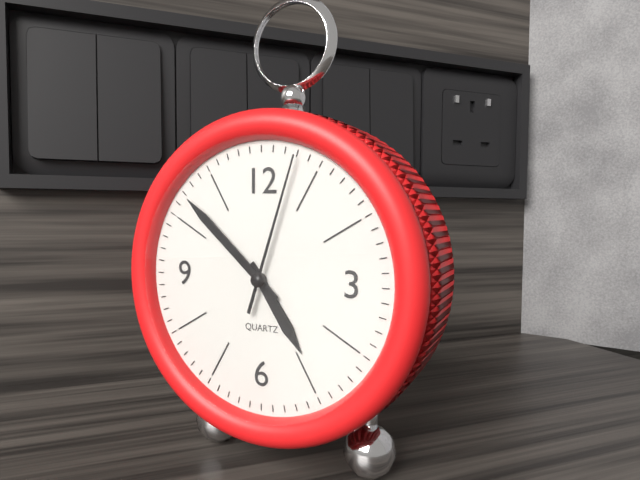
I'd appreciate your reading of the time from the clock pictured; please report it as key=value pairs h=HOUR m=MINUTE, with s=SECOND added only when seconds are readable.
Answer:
h=4 m=52 s=3
